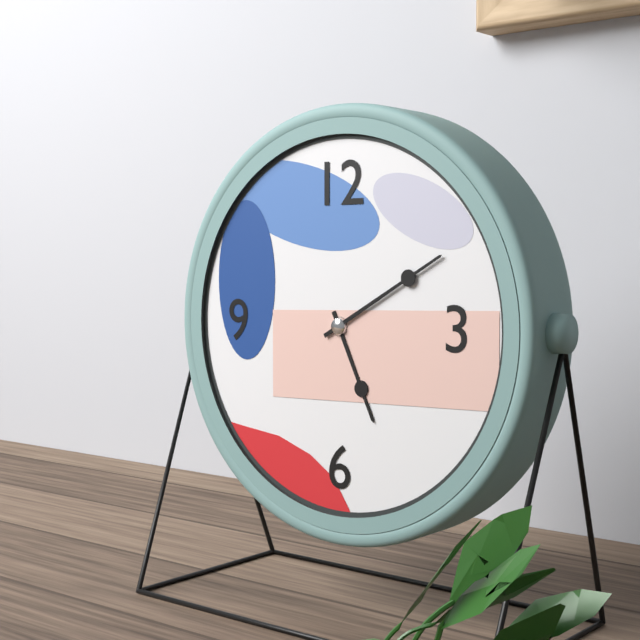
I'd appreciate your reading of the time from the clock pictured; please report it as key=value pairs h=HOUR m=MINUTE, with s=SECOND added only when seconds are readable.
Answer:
h=5 m=10
